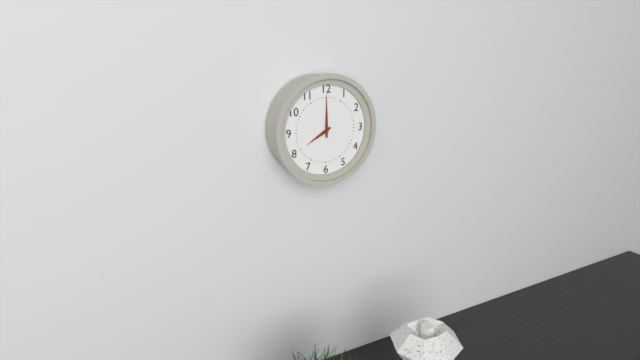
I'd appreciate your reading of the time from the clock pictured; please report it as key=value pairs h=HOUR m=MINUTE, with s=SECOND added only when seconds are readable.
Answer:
h=8 m=0
